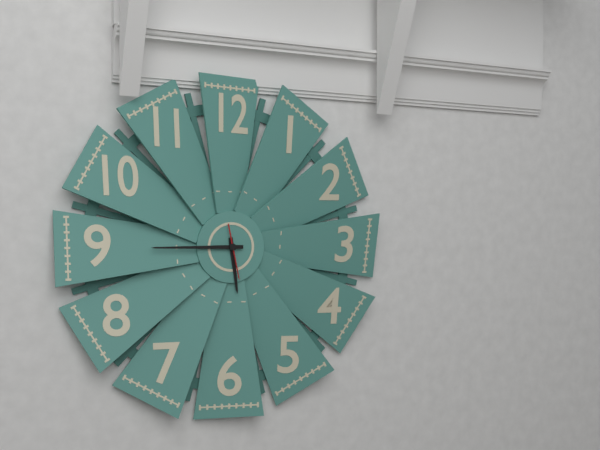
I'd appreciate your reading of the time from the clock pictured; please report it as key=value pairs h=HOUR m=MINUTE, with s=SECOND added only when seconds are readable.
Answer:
h=5 m=45
